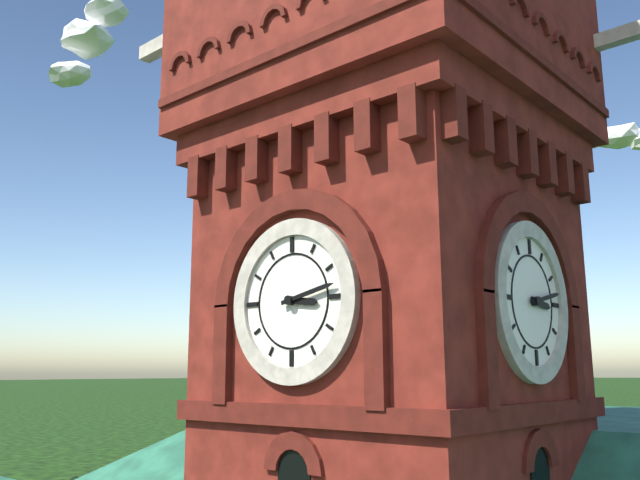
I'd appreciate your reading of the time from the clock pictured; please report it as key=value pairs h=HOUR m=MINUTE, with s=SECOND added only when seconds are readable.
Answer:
h=3 m=13
